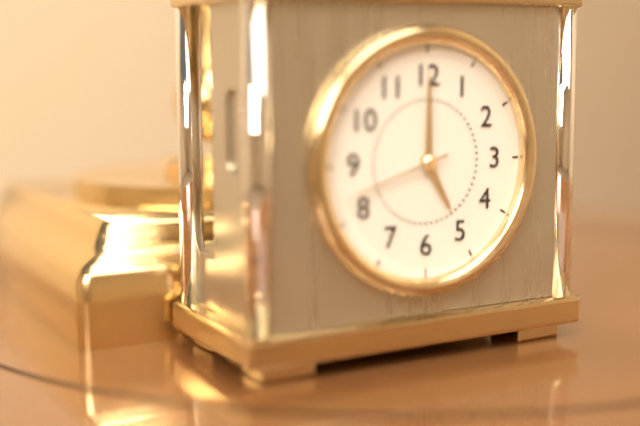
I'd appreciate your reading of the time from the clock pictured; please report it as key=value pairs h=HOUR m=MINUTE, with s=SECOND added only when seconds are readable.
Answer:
h=5 m=0 s=42
